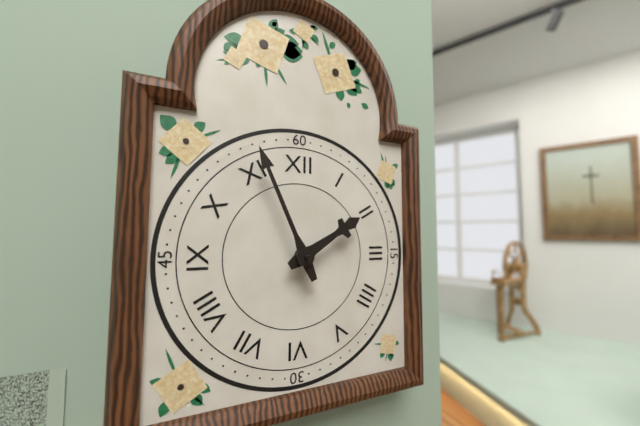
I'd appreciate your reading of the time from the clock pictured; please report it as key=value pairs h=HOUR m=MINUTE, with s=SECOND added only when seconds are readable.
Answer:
h=1 m=56
